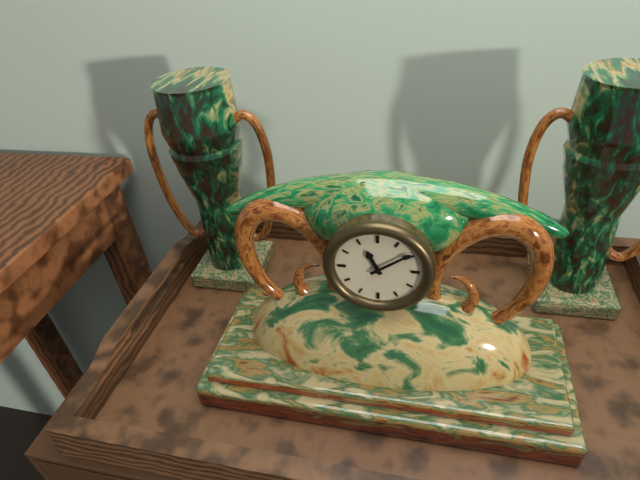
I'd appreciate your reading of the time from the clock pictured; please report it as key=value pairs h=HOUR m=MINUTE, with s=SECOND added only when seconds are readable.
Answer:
h=11 m=9
